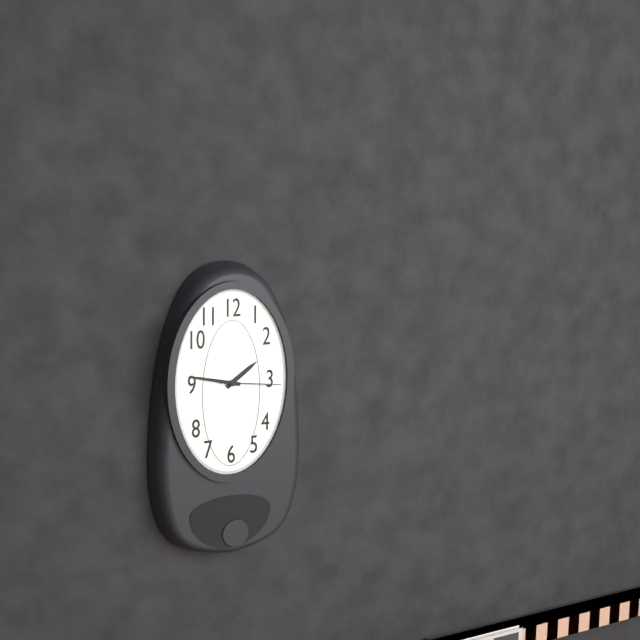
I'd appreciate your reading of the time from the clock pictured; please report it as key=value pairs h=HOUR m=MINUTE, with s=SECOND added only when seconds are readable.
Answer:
h=1 m=47 s=16
